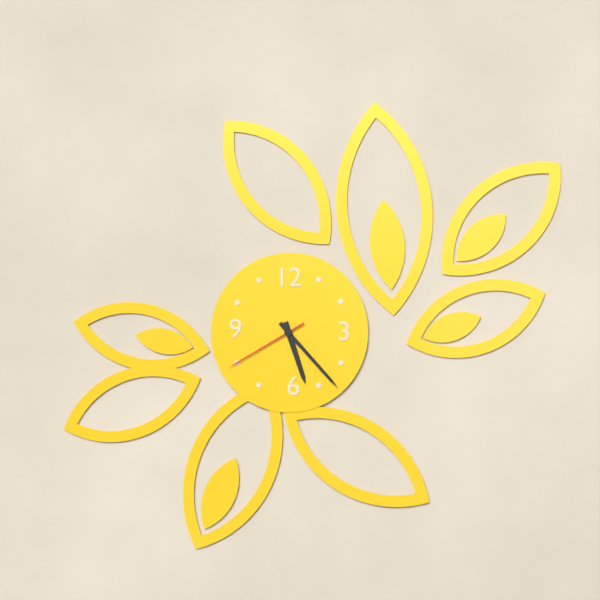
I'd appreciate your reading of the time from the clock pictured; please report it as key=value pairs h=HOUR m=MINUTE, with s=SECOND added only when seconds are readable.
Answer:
h=5 m=23 s=40
